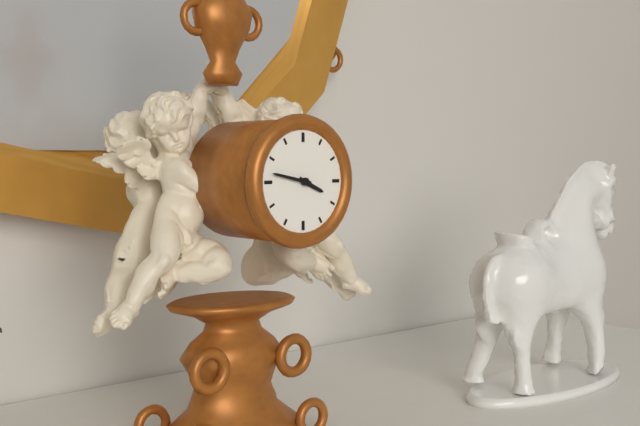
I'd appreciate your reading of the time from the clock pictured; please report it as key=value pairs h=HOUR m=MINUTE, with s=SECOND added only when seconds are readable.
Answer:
h=3 m=47
